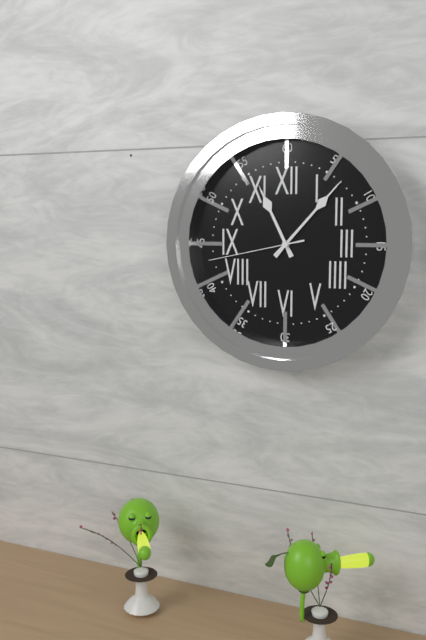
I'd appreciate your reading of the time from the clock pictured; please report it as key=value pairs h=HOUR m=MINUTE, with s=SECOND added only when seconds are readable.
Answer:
h=11 m=7 s=43
